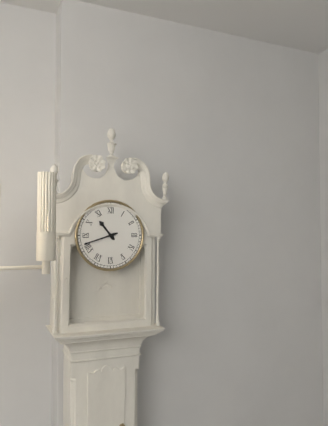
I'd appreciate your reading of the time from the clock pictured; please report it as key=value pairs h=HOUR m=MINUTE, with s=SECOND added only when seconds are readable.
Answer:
h=10 m=42
